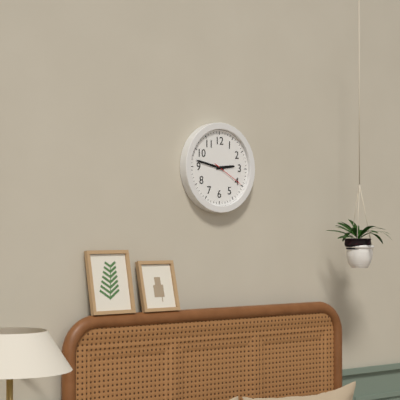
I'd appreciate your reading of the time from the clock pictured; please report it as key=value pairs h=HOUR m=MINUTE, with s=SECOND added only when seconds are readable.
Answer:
h=2 m=47
